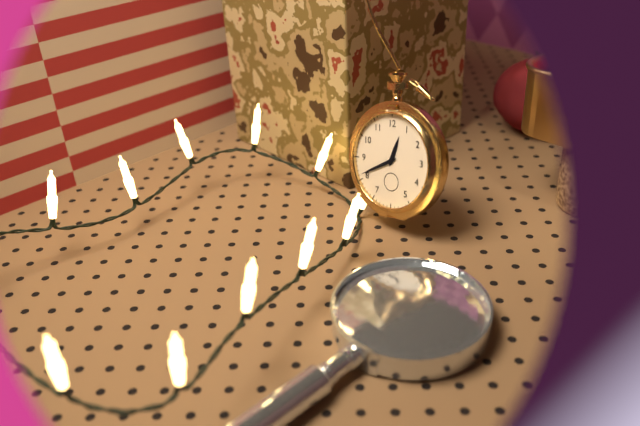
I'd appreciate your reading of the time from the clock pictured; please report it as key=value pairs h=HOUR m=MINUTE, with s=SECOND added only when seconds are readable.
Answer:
h=12 m=41
